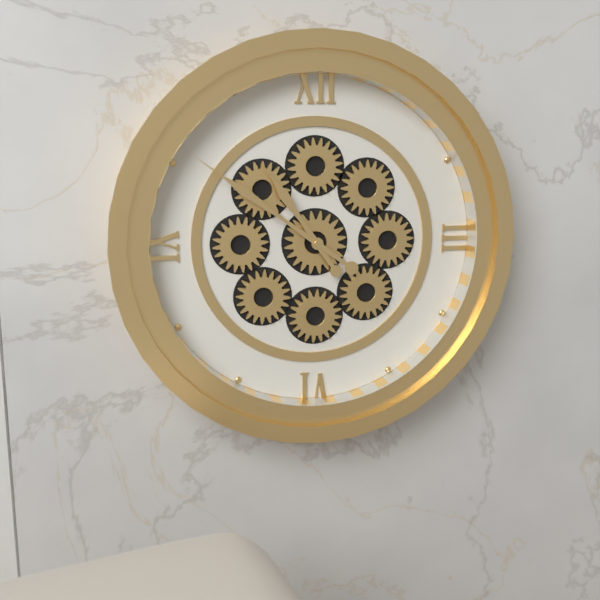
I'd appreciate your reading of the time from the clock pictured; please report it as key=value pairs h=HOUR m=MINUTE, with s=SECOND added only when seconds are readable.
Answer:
h=10 m=51
